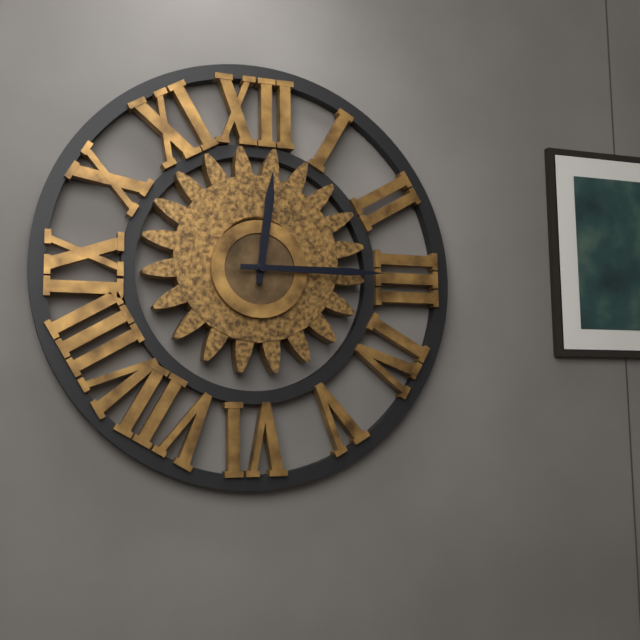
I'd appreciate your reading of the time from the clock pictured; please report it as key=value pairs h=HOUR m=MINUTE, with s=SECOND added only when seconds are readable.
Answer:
h=12 m=15
